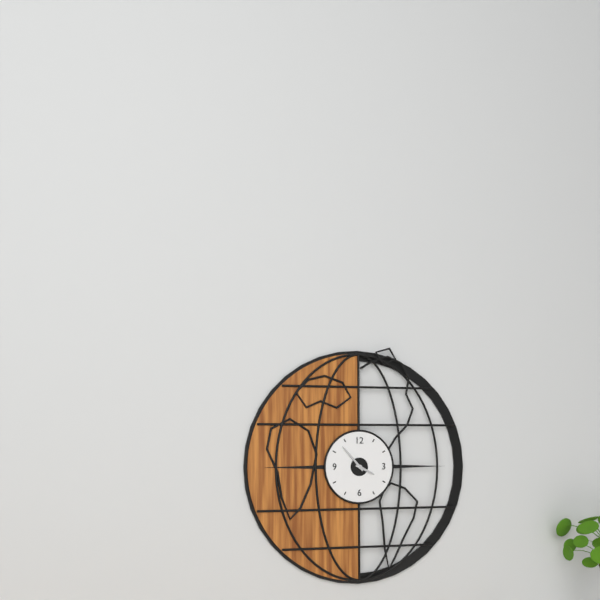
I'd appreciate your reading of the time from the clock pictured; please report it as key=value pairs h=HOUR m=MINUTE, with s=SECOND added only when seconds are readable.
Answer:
h=3 m=53
